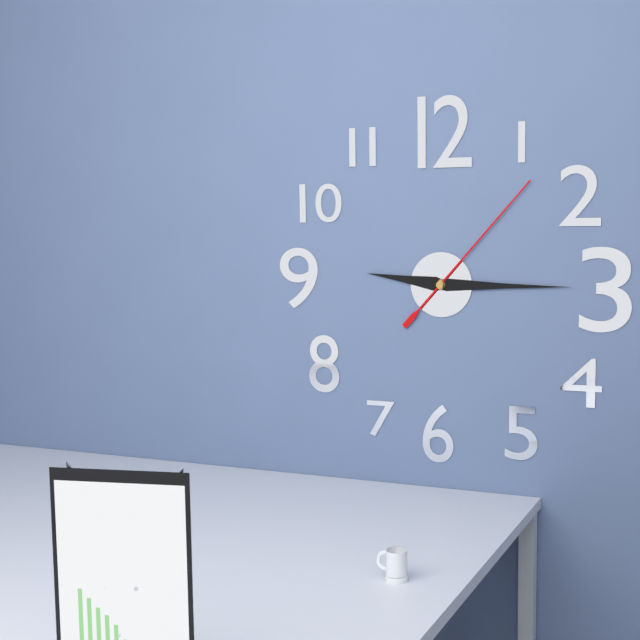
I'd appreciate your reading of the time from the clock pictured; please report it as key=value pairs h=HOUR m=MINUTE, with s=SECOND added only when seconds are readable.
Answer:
h=9 m=15 s=7
